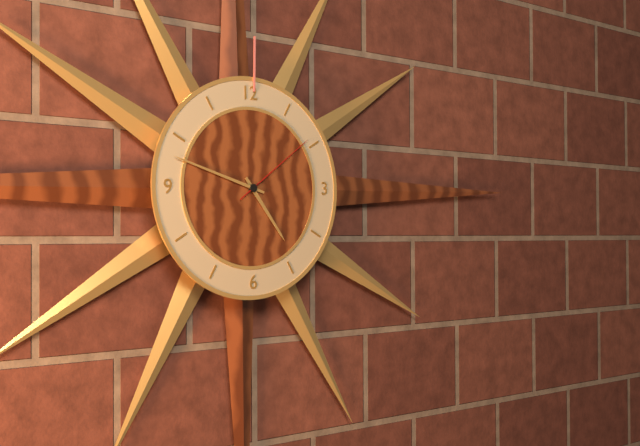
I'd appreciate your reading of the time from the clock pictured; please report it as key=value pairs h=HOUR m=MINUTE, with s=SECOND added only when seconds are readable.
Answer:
h=4 m=48 s=9
